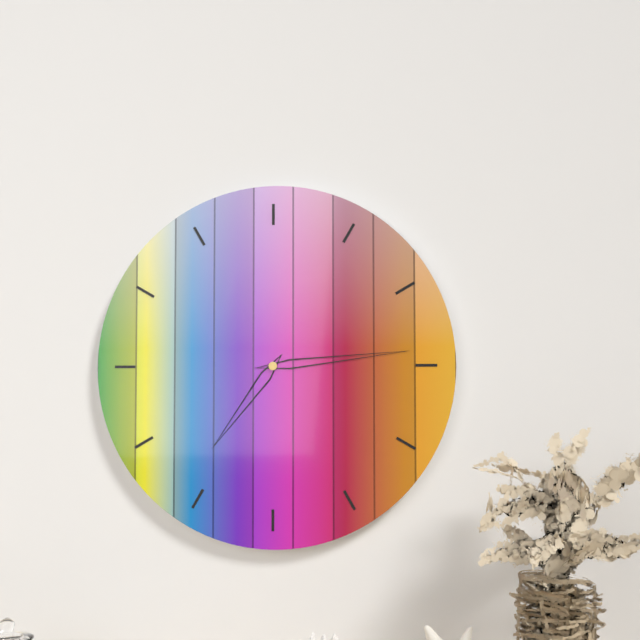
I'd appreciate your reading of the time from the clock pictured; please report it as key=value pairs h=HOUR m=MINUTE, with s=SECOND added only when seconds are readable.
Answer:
h=7 m=14
